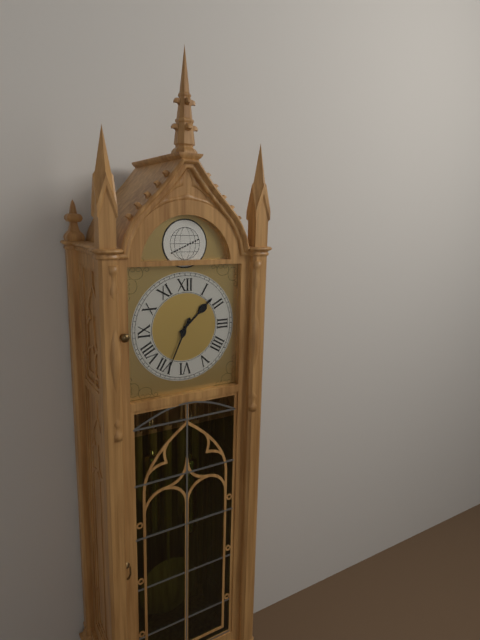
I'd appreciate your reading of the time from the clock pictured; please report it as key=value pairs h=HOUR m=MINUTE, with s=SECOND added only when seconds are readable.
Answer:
h=1 m=34
